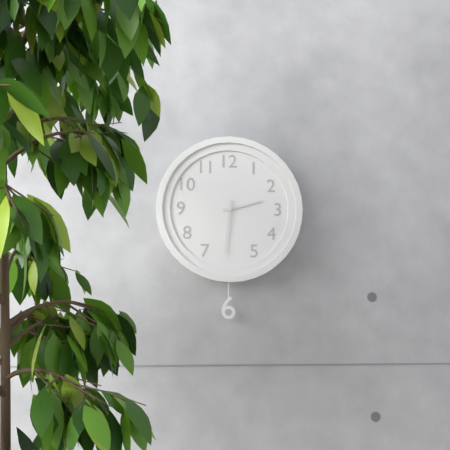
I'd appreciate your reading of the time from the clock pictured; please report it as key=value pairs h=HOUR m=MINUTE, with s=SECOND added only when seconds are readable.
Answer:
h=2 m=31
